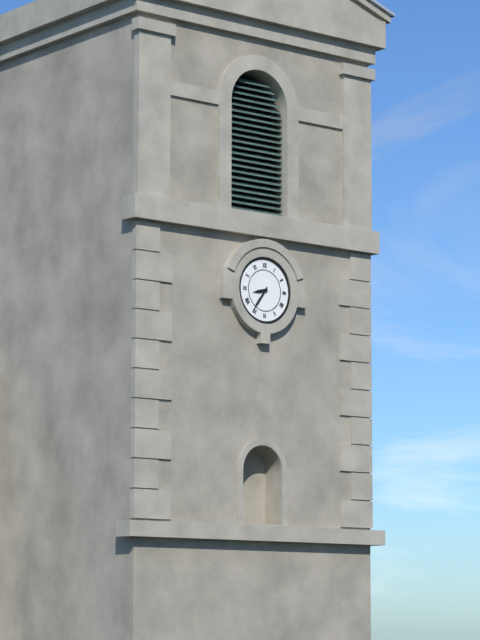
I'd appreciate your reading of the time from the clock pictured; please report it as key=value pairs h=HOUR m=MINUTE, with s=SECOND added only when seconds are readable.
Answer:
h=8 m=36
